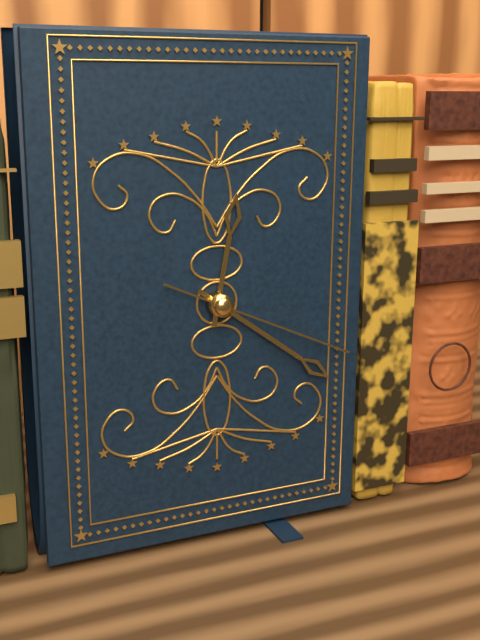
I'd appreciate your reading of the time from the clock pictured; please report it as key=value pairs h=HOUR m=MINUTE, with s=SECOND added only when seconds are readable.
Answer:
h=12 m=21 s=19
